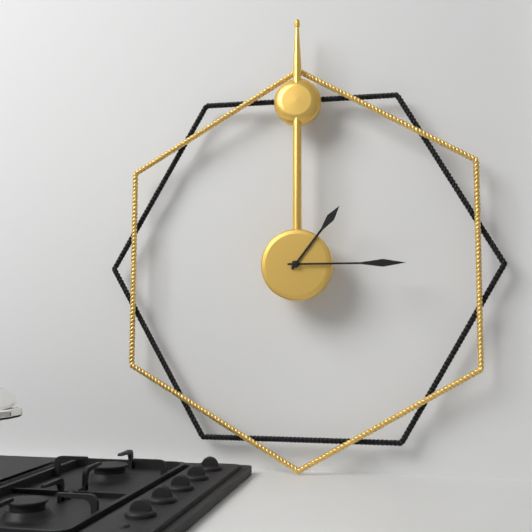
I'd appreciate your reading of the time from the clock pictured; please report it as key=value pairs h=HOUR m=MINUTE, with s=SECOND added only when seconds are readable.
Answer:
h=1 m=15
